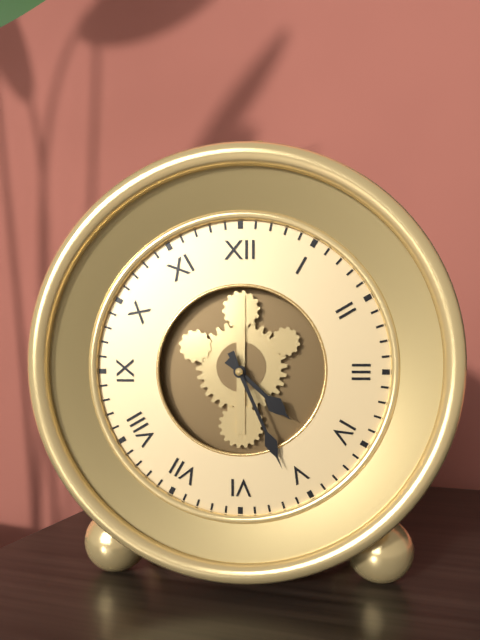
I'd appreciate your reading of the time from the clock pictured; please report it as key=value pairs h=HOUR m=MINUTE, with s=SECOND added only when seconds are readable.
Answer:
h=4 m=26
